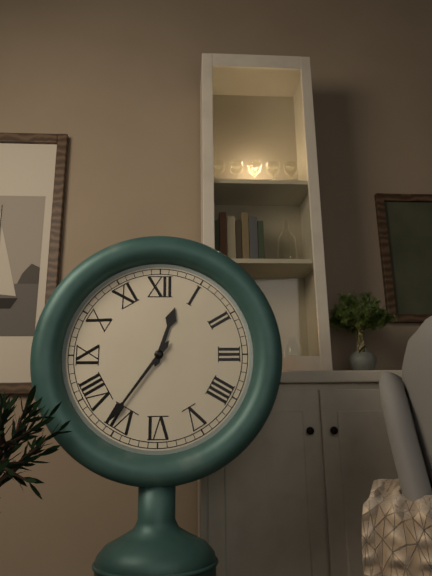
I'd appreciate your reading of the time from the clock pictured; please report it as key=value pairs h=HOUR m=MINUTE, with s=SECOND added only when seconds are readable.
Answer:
h=12 m=36
